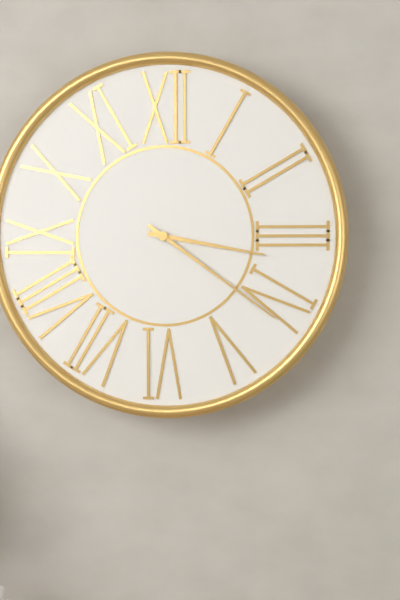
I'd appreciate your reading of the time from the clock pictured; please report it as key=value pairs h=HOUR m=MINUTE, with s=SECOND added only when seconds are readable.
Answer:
h=3 m=21
